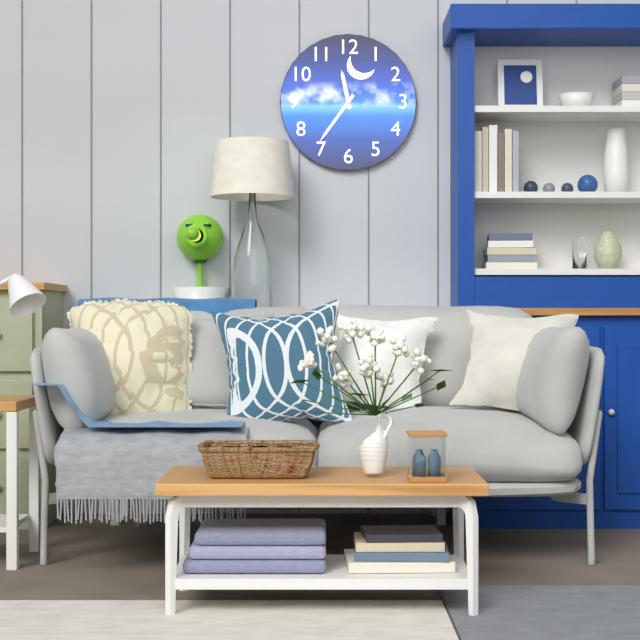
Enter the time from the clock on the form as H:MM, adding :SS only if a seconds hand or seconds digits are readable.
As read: 11:36
